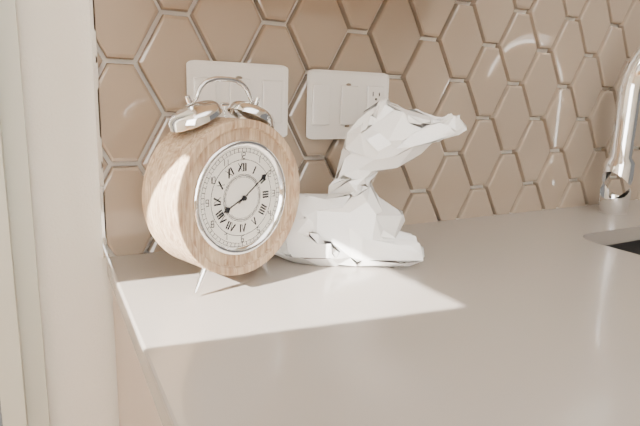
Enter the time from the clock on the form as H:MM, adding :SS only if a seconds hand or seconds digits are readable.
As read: 8:09
